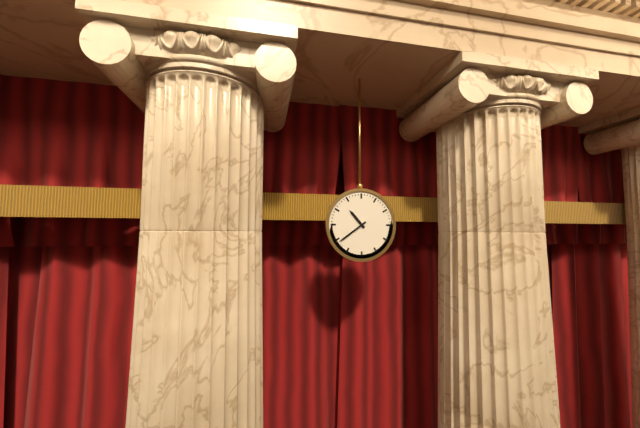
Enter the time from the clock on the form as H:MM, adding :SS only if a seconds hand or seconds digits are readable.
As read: 10:39
